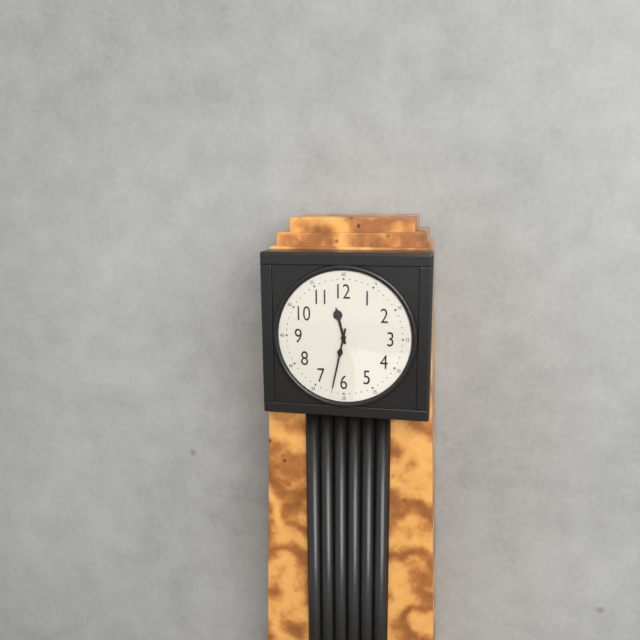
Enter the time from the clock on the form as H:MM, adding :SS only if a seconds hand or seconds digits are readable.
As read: 11:32
